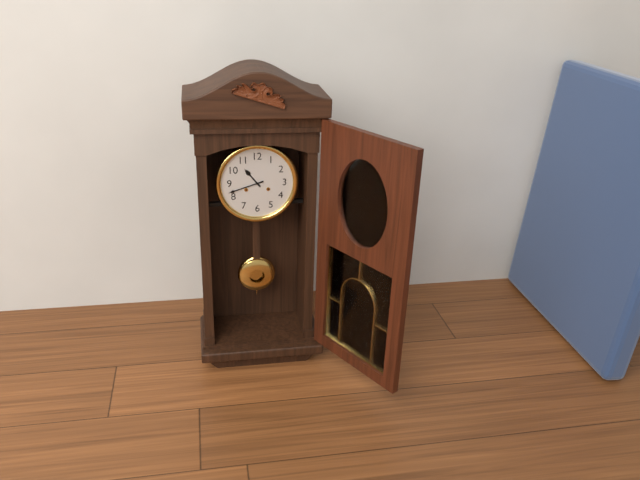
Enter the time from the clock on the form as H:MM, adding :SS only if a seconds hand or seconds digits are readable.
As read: 10:42
